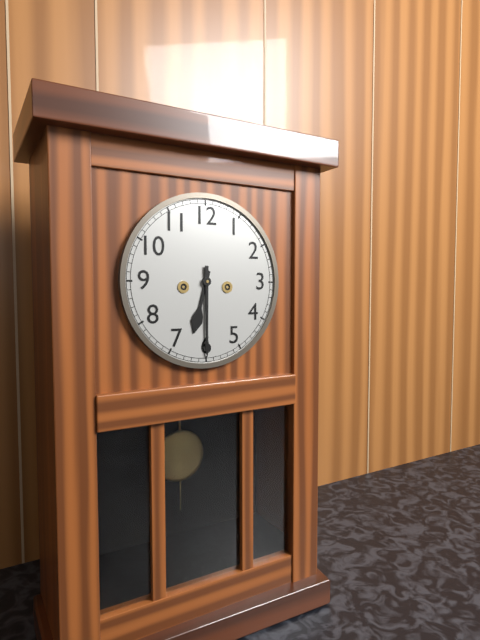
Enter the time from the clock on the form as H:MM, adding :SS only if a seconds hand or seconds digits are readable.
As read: 6:30
